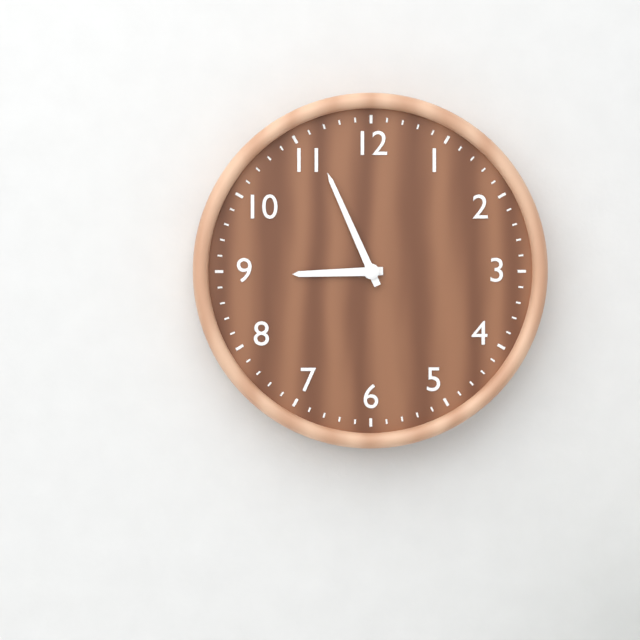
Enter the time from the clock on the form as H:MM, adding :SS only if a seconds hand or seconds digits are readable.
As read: 8:56
